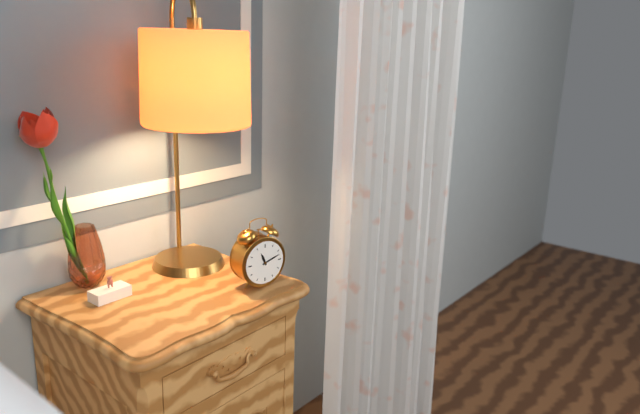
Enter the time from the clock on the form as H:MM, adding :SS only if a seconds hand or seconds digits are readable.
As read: 11:12
